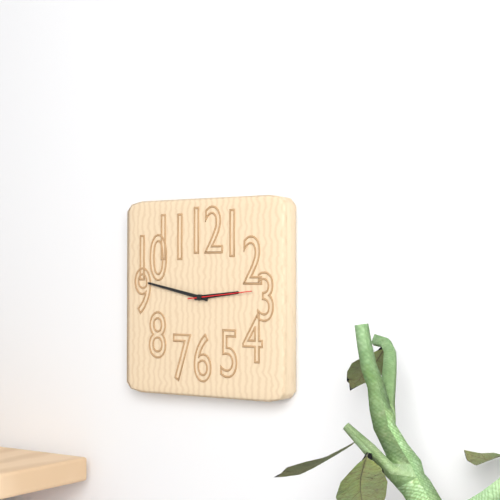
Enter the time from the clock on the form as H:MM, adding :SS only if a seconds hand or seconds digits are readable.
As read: 2:47:14
